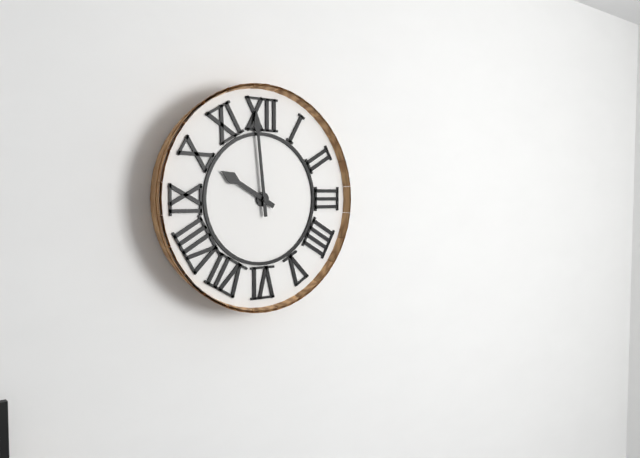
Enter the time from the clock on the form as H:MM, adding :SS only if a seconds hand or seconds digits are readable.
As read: 9:59
